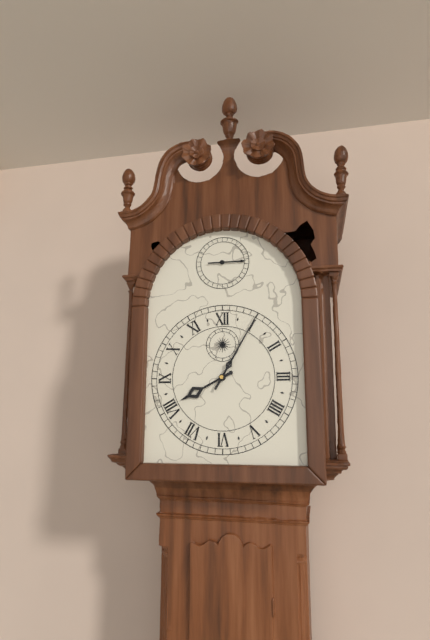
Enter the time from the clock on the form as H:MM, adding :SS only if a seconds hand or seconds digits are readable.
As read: 8:05
